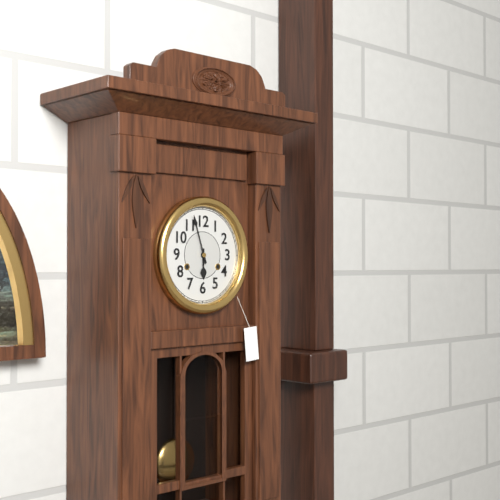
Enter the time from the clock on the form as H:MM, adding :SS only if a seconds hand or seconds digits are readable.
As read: 5:57
